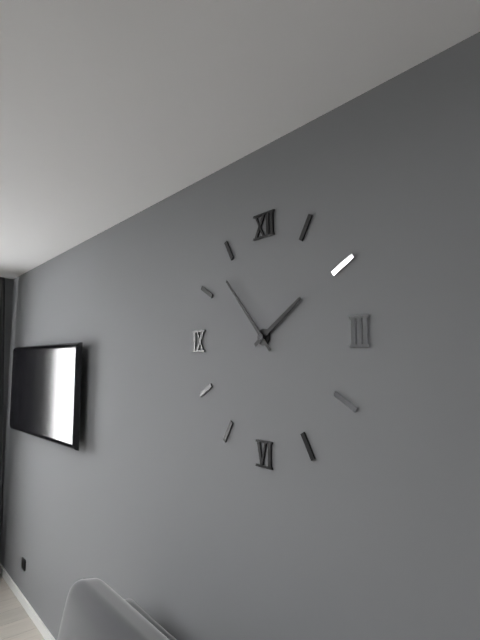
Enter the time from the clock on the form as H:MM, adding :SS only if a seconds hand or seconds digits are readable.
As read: 1:53
